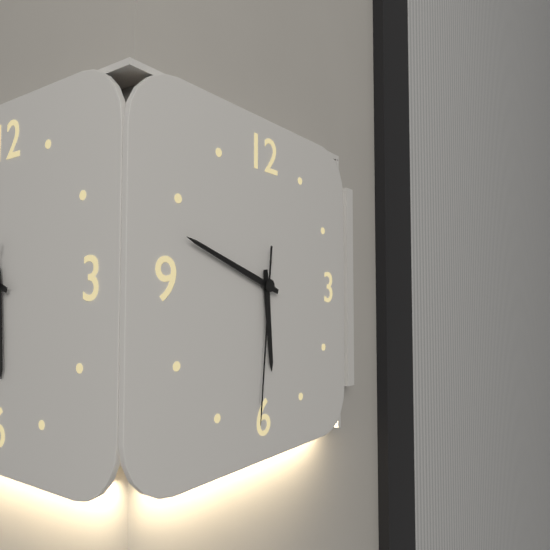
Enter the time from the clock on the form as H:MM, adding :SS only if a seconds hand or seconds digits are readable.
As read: 5:48:31
